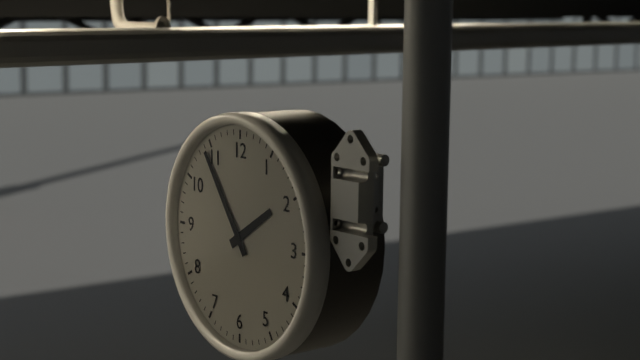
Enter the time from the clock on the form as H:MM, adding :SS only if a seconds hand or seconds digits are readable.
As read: 1:54
